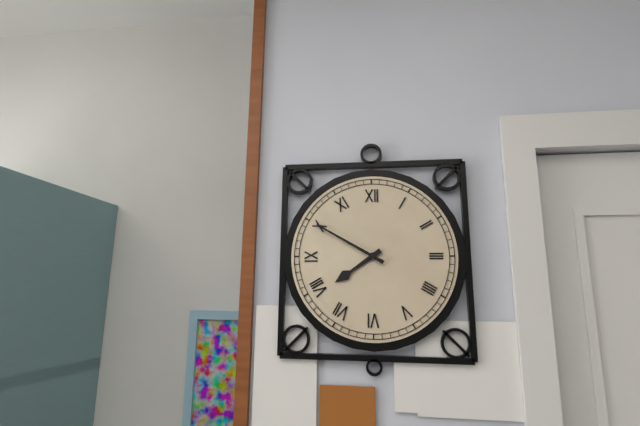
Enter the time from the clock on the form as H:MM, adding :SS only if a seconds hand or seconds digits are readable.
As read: 7:50
